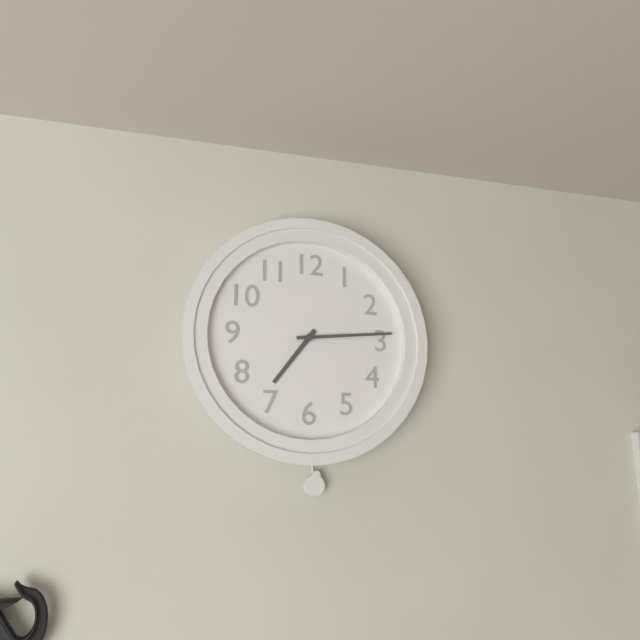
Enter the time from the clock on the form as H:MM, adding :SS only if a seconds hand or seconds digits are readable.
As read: 7:14
